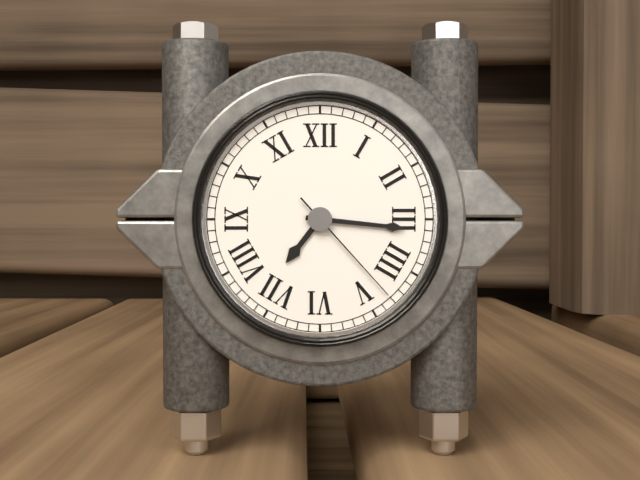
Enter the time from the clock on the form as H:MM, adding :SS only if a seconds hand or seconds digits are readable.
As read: 7:16:23
